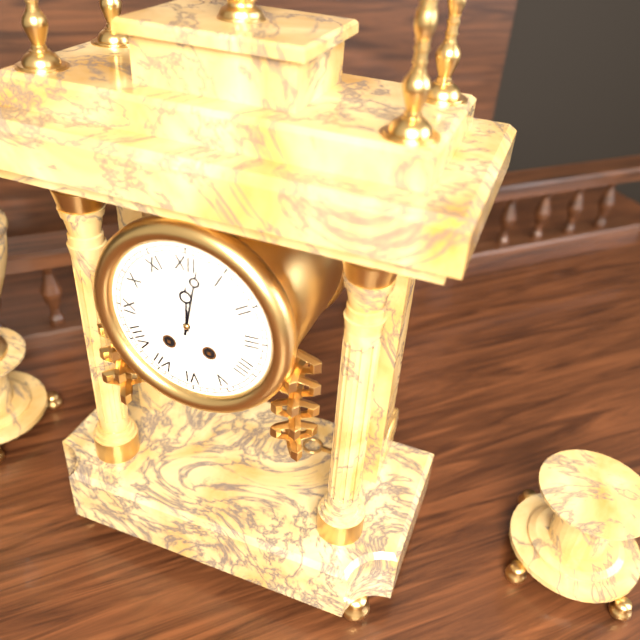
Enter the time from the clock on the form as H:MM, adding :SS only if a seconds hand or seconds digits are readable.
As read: 12:02
